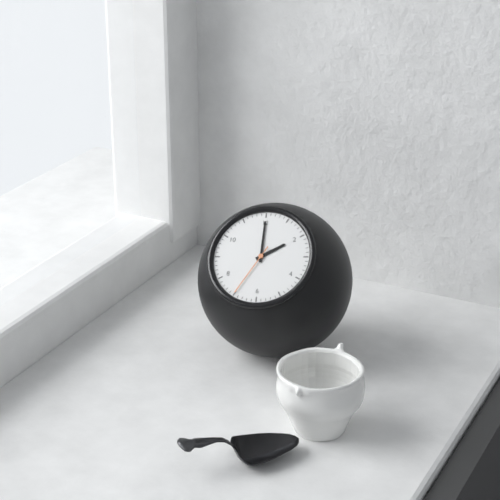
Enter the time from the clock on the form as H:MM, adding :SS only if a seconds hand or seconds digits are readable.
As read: 2:00:35
